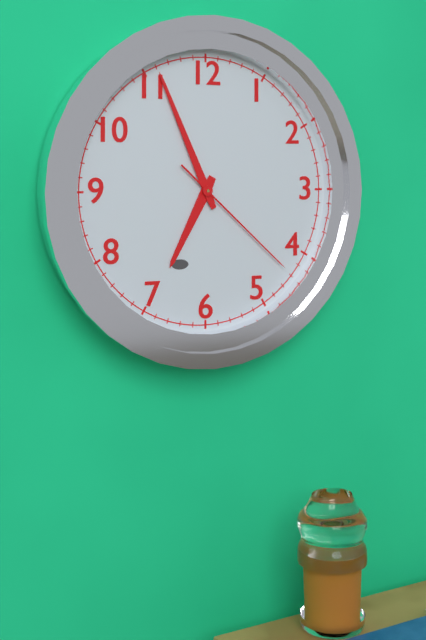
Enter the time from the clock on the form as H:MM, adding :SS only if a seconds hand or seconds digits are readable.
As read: 6:56:22
